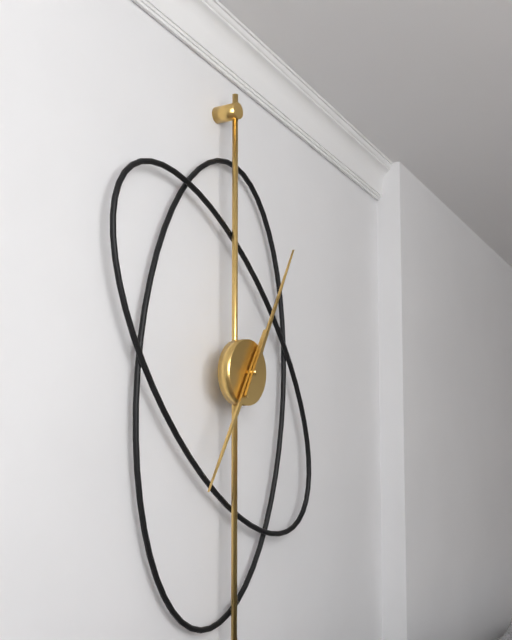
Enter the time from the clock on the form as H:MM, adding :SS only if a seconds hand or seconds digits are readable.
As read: 7:05
